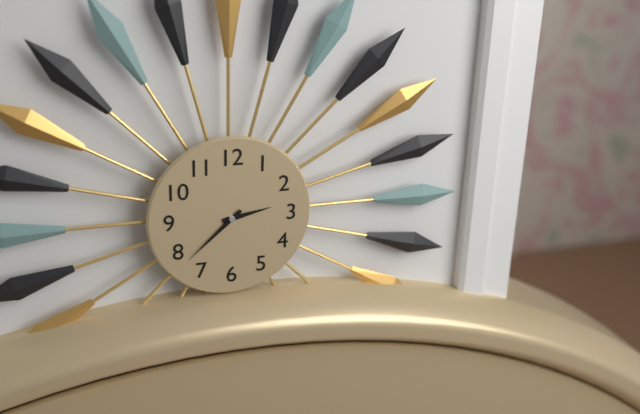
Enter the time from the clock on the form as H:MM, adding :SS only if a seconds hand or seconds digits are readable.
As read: 2:38
